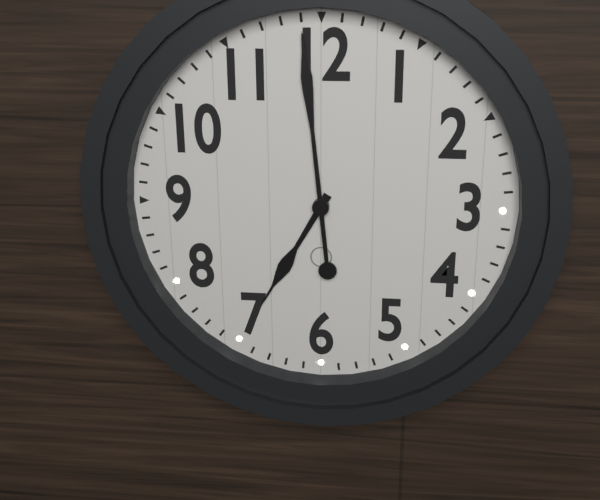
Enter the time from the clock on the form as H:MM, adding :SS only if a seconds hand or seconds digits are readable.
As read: 6:59
